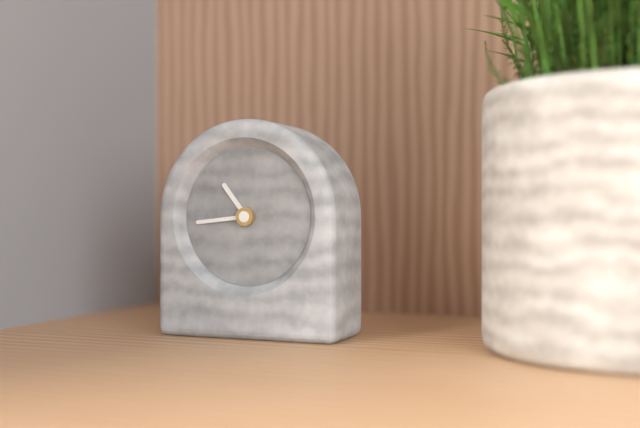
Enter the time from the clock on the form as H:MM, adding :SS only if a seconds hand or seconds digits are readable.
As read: 10:44
